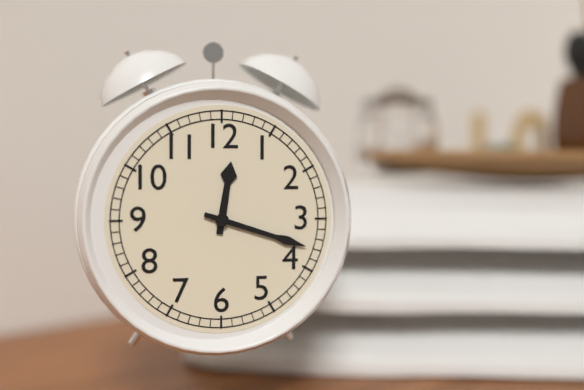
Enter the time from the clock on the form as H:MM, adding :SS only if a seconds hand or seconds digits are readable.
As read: 12:18
